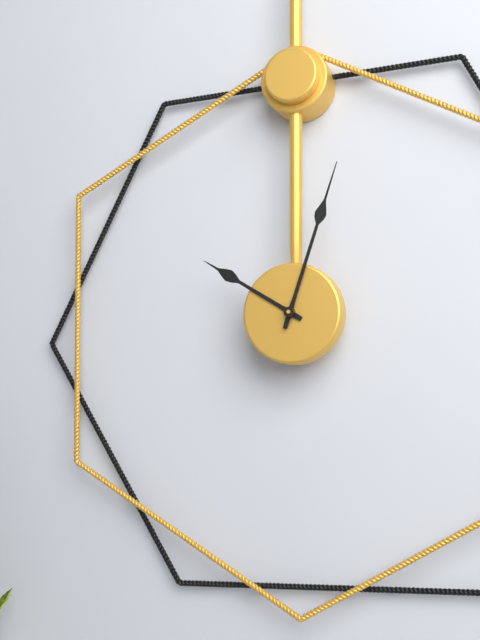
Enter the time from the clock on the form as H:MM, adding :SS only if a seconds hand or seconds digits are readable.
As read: 10:03
